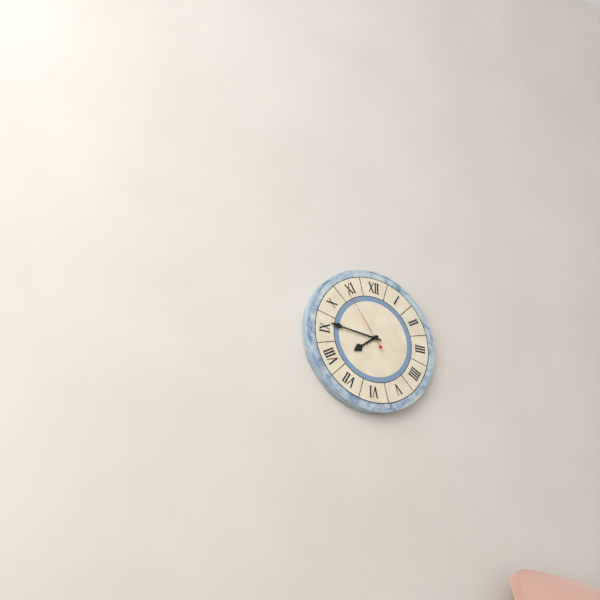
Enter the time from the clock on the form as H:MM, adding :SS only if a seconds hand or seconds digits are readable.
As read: 7:46:54
